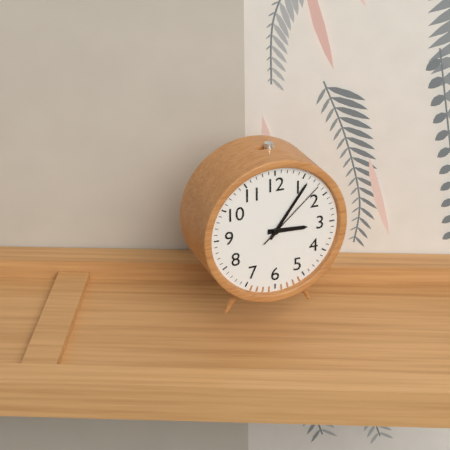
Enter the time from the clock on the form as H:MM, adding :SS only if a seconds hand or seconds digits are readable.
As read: 3:06:08
